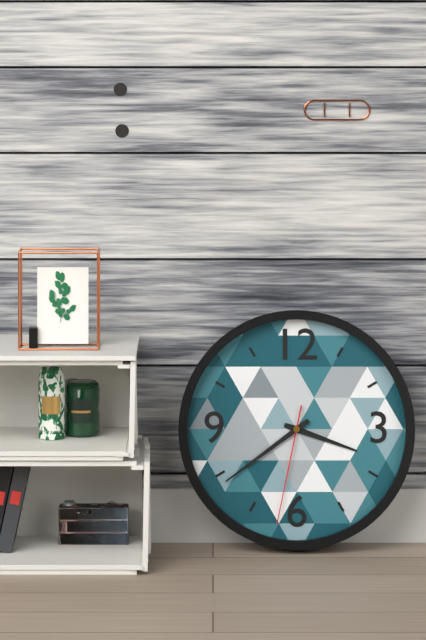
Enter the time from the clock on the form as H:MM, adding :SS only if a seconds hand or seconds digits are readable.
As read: 3:39:32
